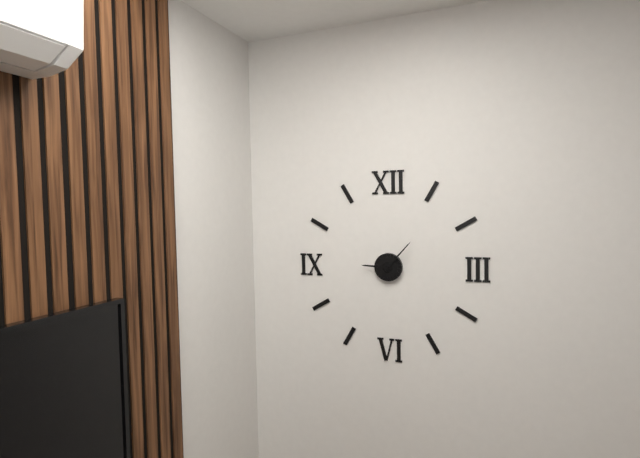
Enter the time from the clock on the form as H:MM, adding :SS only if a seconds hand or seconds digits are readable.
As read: 9:07
